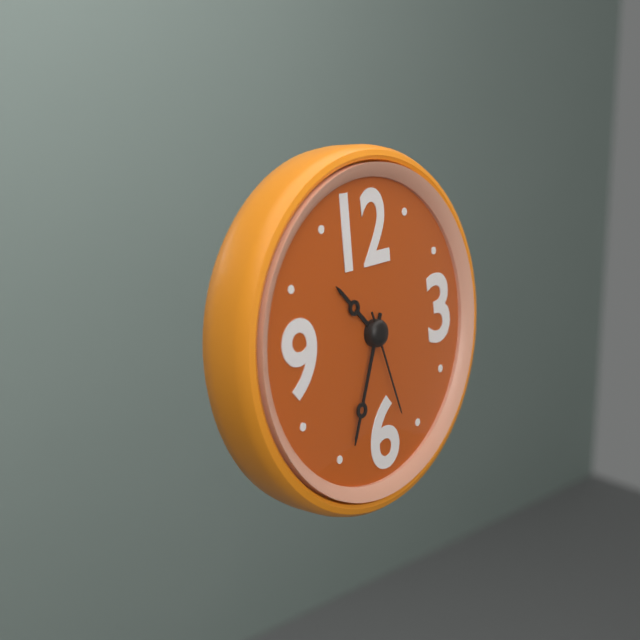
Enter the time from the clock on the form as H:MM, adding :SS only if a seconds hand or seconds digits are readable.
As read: 10:34:27
